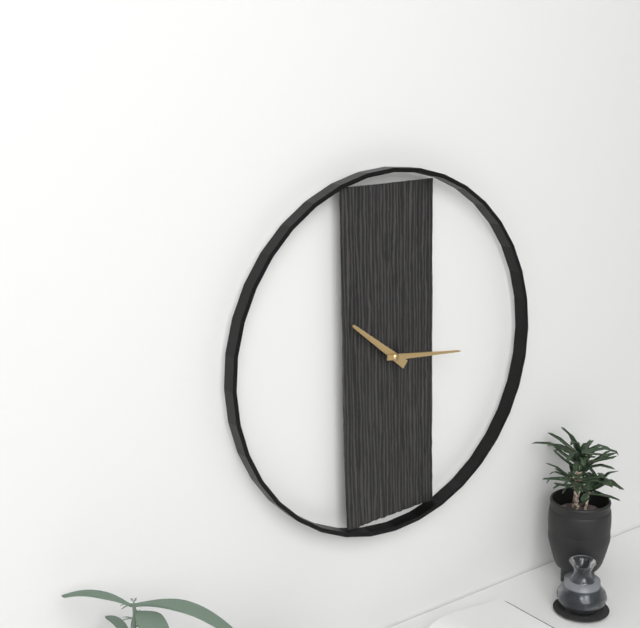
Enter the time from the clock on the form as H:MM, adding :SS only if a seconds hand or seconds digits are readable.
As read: 10:16
